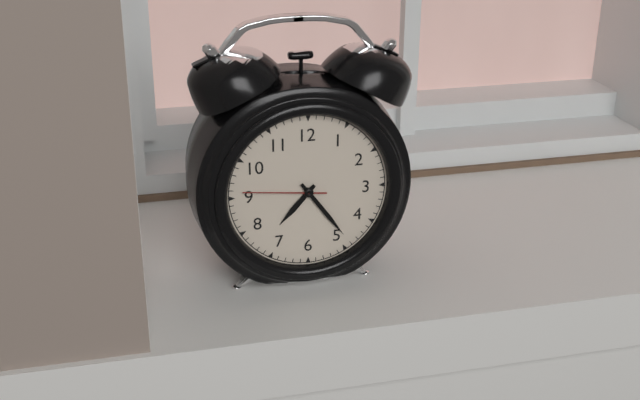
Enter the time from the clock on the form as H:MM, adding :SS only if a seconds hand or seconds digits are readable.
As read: 7:24:46
